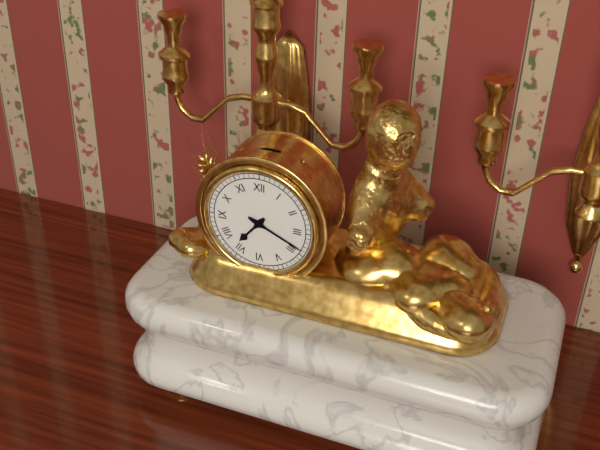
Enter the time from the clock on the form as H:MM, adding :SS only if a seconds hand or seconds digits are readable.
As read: 7:19
